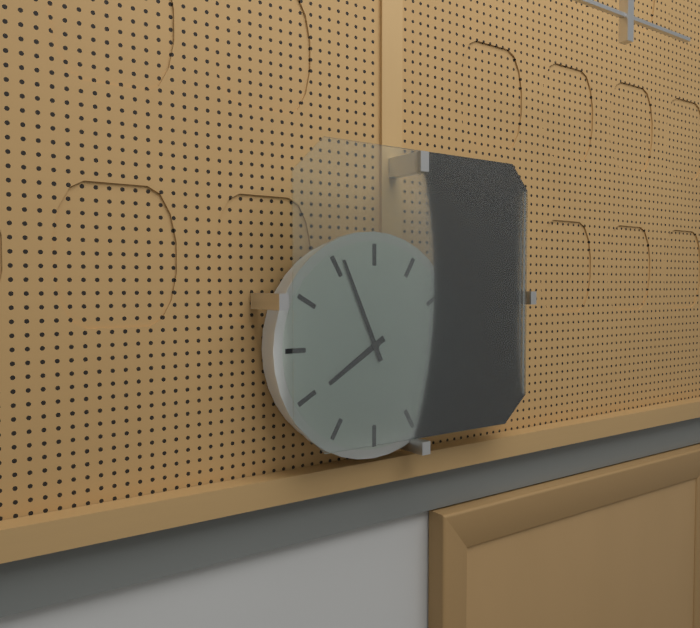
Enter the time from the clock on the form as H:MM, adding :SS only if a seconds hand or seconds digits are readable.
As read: 7:56
